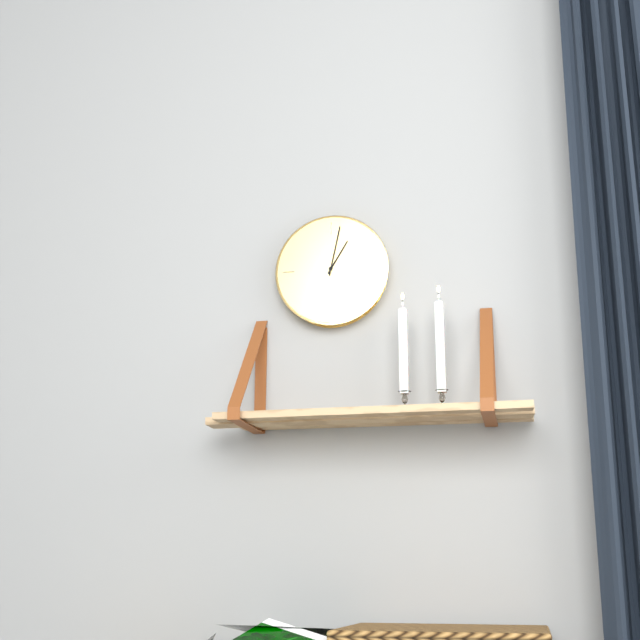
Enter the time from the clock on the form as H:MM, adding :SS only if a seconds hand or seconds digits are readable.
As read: 1:02
